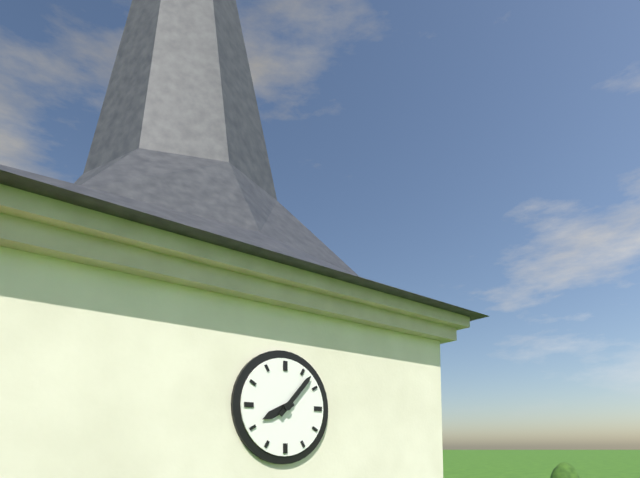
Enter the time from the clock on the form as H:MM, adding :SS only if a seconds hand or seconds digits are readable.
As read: 8:07
